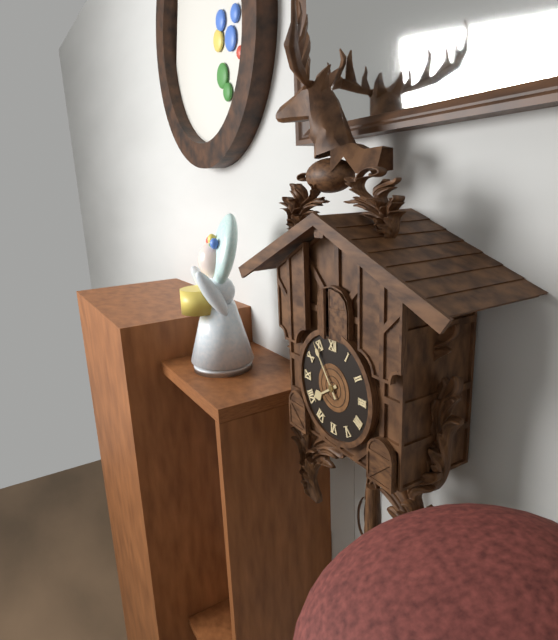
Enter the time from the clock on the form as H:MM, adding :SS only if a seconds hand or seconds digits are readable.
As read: 7:54
